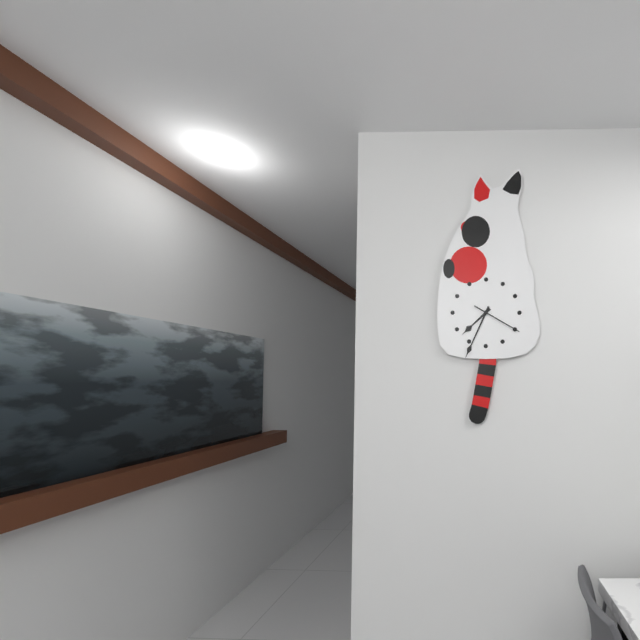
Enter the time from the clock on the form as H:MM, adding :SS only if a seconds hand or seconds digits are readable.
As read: 7:34
